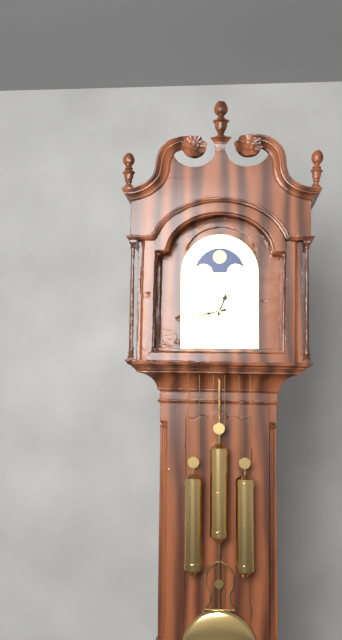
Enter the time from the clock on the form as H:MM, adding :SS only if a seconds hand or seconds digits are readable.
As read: 12:43
